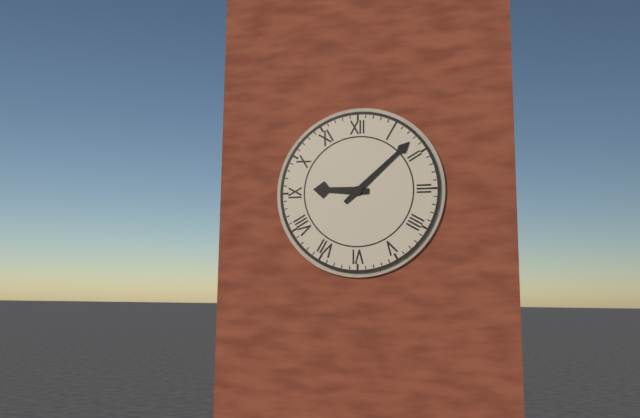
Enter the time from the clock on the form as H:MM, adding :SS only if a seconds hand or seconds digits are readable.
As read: 9:08
